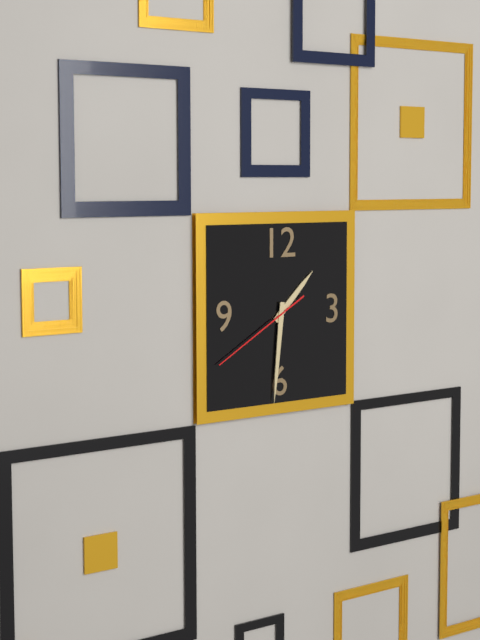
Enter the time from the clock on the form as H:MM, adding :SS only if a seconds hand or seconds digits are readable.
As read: 1:31:40
